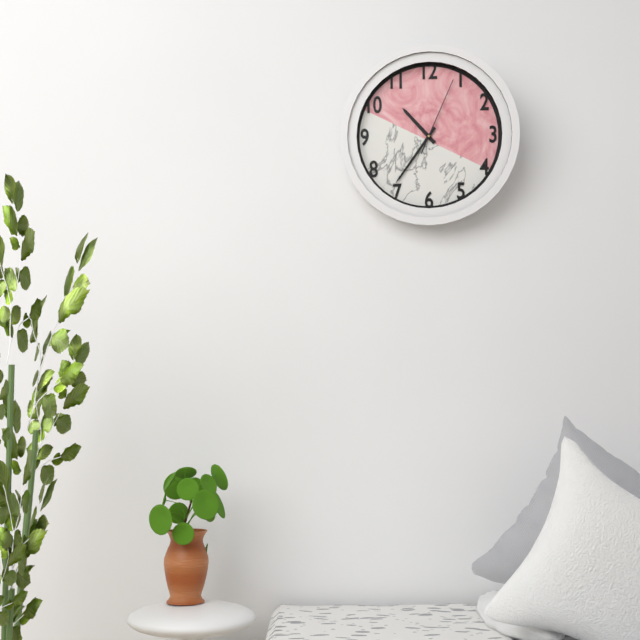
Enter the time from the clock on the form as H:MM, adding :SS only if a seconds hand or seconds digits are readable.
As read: 10:36:04
